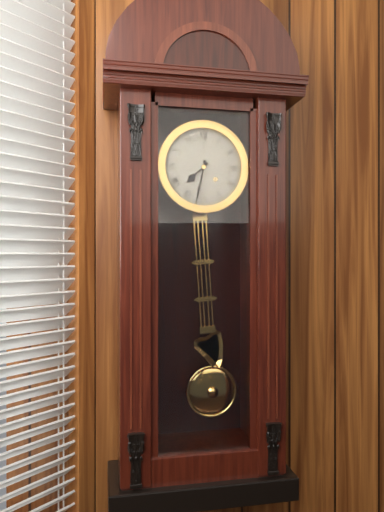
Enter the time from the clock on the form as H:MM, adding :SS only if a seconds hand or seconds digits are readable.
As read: 7:32
